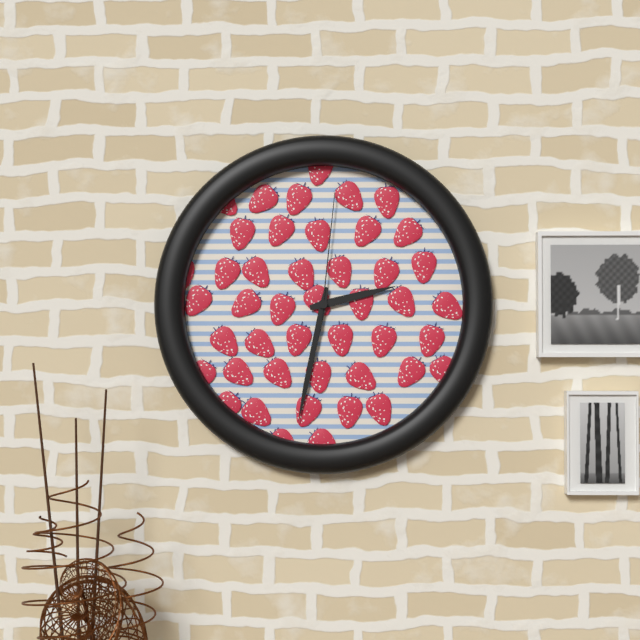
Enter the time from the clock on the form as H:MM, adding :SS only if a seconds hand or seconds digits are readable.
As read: 2:32:01
